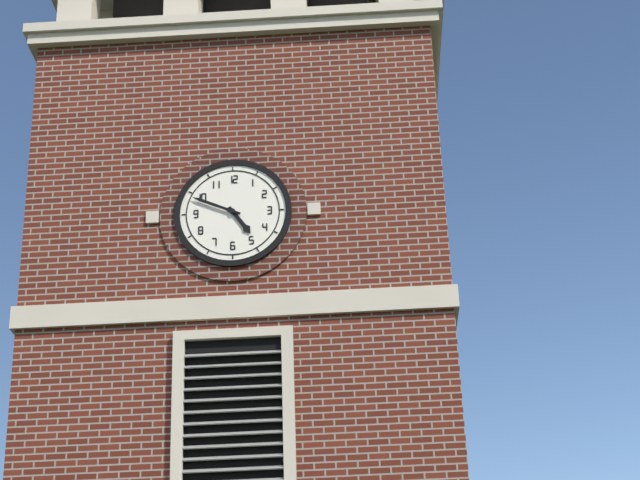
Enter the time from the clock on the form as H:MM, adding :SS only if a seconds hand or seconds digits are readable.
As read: 4:49
